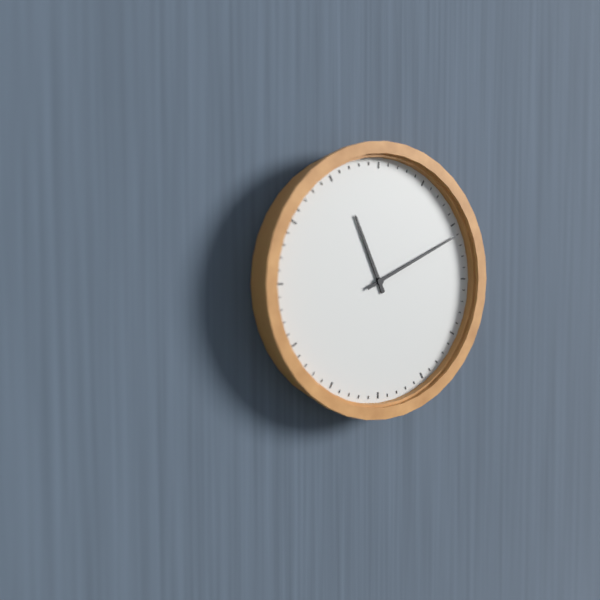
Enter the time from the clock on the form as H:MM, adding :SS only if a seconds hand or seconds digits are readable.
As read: 11:11
